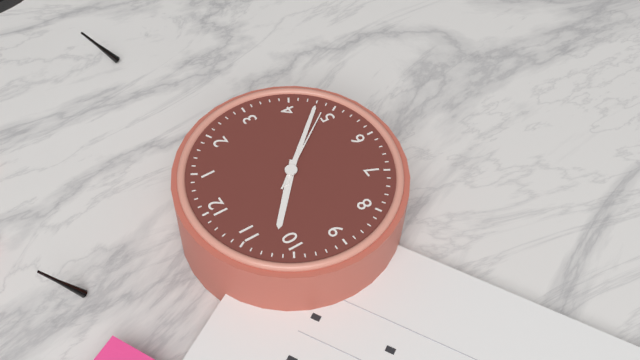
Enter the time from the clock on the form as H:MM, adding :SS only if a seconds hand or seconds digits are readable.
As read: 10:23:24
